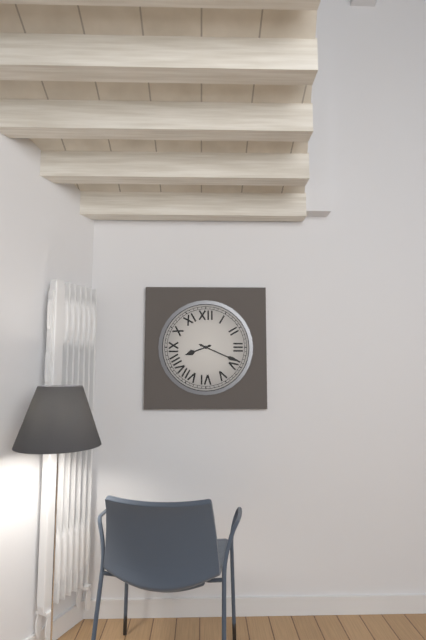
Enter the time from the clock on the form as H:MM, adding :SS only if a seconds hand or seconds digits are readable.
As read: 8:19
